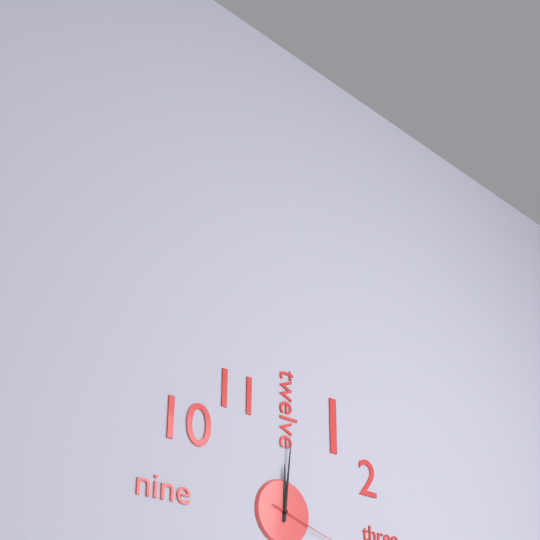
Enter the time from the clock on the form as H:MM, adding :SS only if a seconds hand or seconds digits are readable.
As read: 12:01
